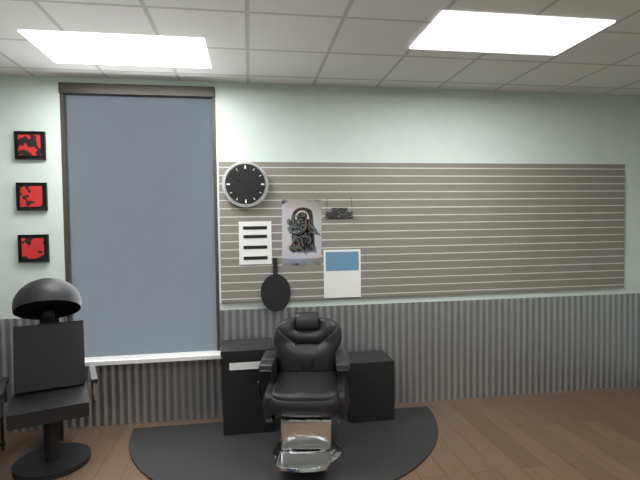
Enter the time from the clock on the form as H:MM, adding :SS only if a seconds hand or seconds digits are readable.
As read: 4:50
